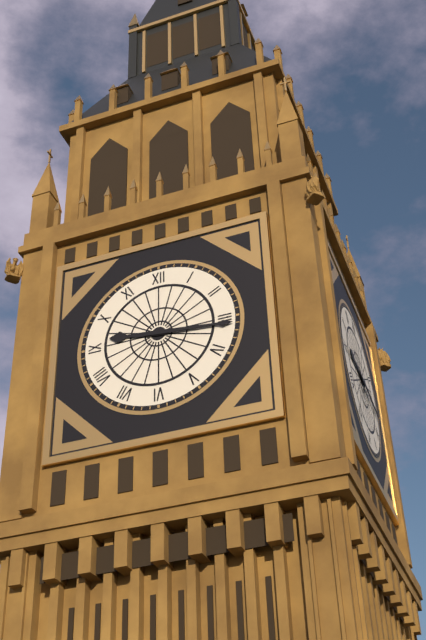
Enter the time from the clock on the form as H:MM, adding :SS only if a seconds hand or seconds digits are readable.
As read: 9:16
